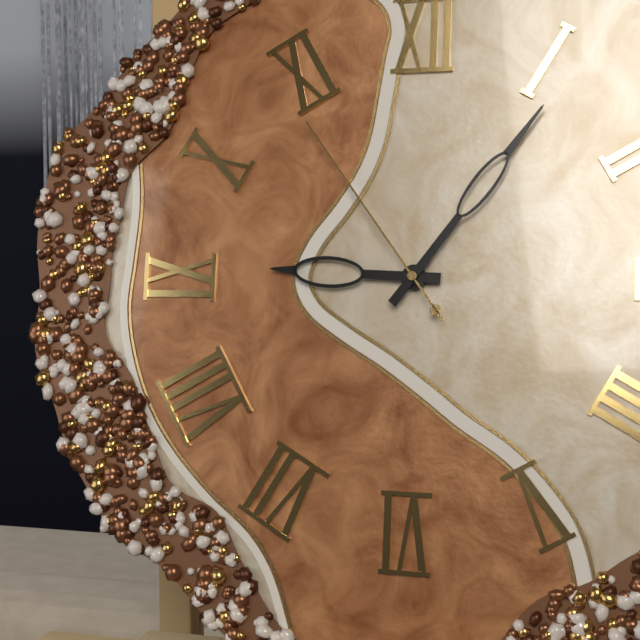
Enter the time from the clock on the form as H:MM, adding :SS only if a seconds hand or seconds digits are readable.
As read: 9:06:54
